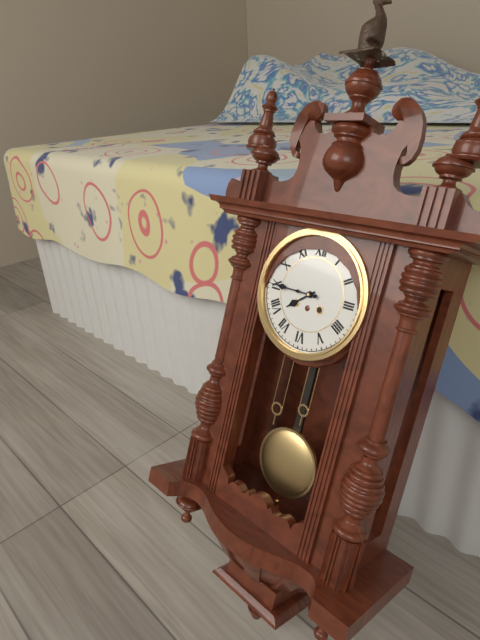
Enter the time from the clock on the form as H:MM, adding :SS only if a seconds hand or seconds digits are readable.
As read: 7:45
